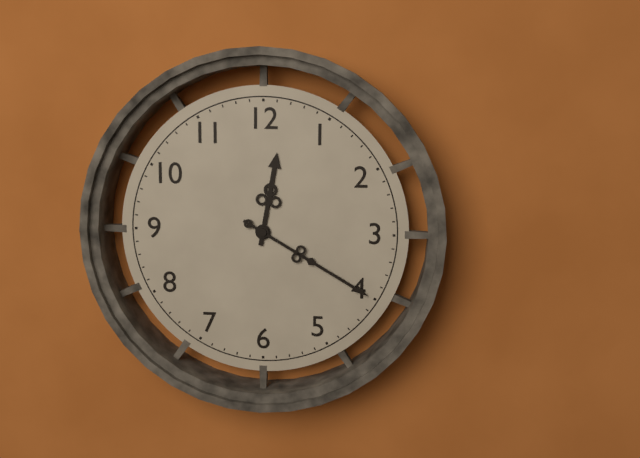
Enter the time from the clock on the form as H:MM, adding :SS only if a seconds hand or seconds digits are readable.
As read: 12:20
